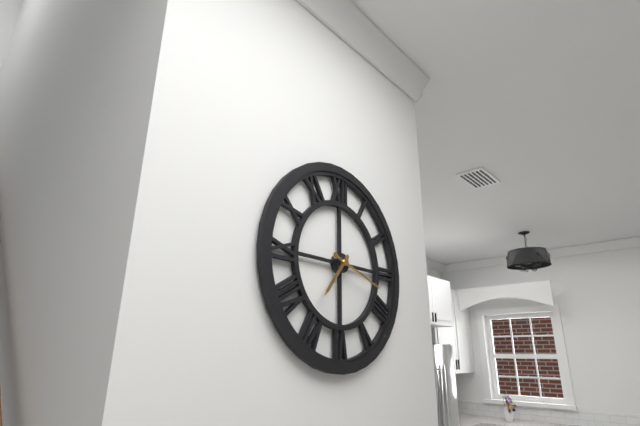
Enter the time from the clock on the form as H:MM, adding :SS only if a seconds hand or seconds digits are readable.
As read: 7:18
